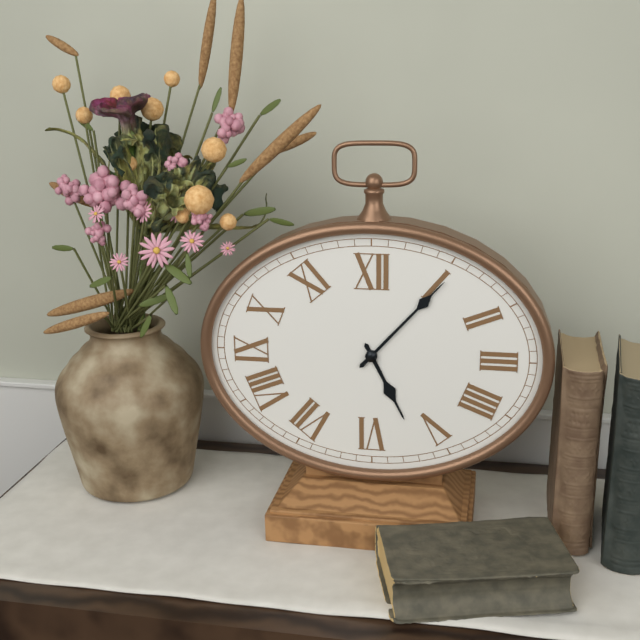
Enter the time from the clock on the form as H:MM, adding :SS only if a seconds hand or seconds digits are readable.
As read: 5:07
